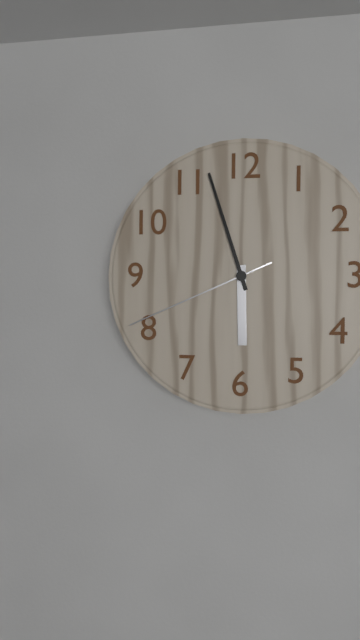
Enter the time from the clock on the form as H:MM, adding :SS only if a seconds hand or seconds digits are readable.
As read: 5:57:41
